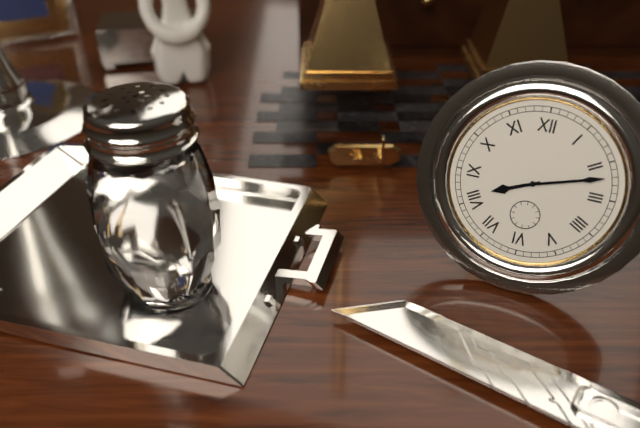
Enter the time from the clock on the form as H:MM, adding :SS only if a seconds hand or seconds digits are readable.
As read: 8:12
